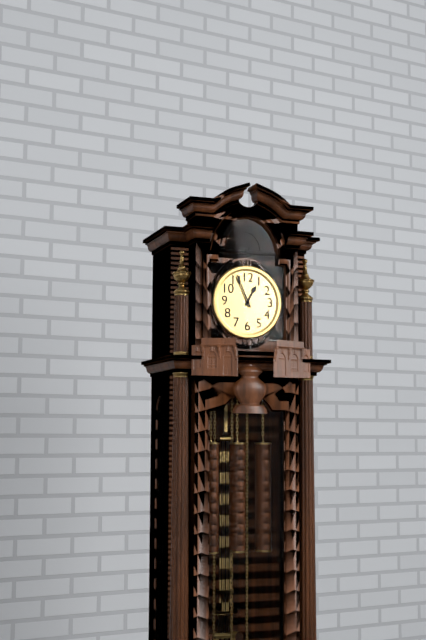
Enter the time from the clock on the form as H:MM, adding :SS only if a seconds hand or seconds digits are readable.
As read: 12:56
